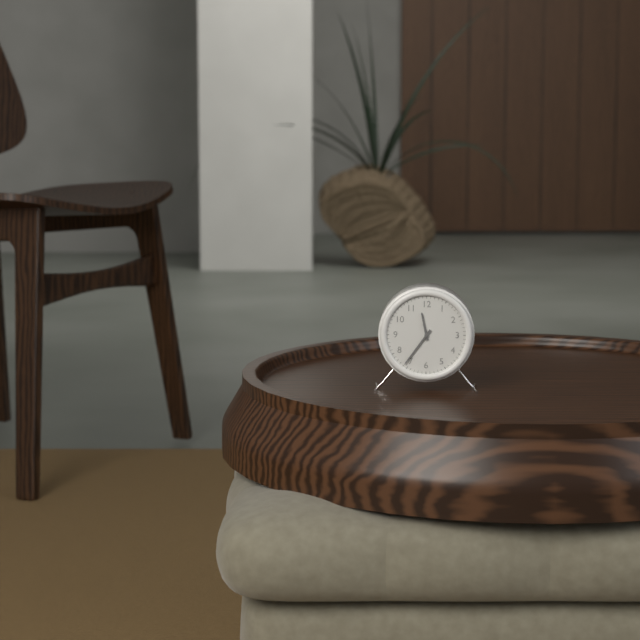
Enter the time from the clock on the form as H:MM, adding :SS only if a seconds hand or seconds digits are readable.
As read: 11:36
